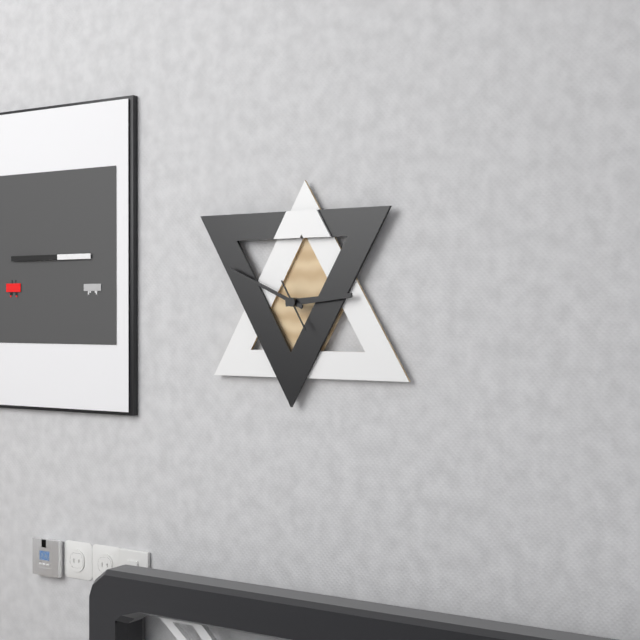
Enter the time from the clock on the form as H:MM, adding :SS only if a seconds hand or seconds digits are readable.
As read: 2:49
